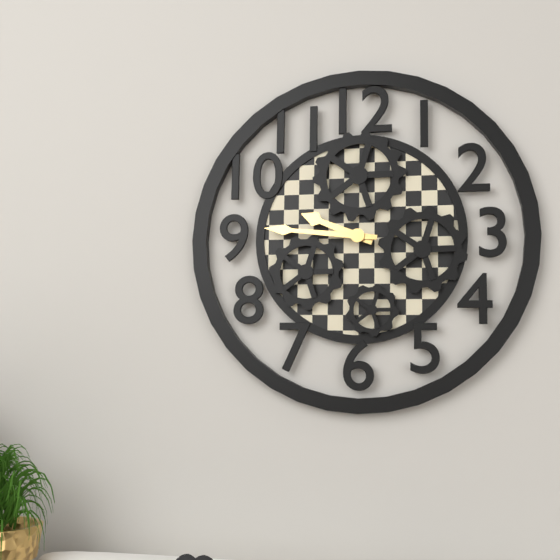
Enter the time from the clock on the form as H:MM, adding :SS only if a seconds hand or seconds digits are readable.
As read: 9:46
